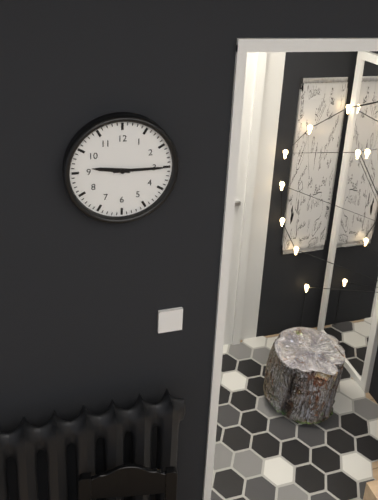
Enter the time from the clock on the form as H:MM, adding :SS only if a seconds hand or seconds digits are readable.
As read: 9:15
